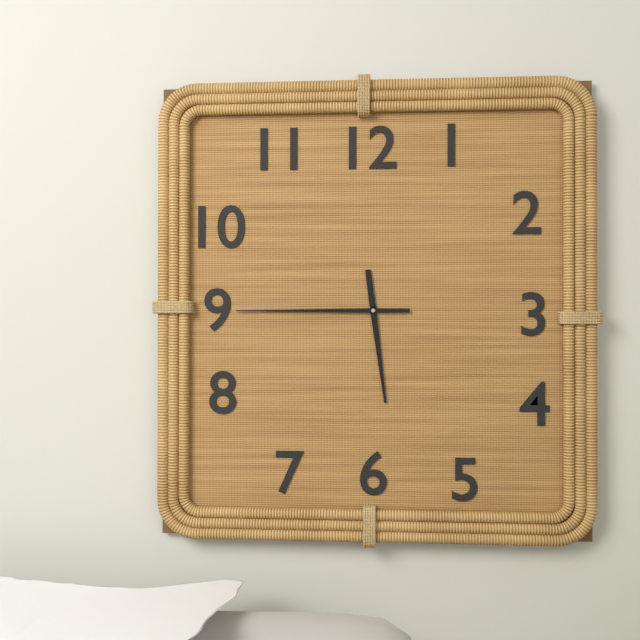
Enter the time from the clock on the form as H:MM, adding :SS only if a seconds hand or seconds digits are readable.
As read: 5:45
